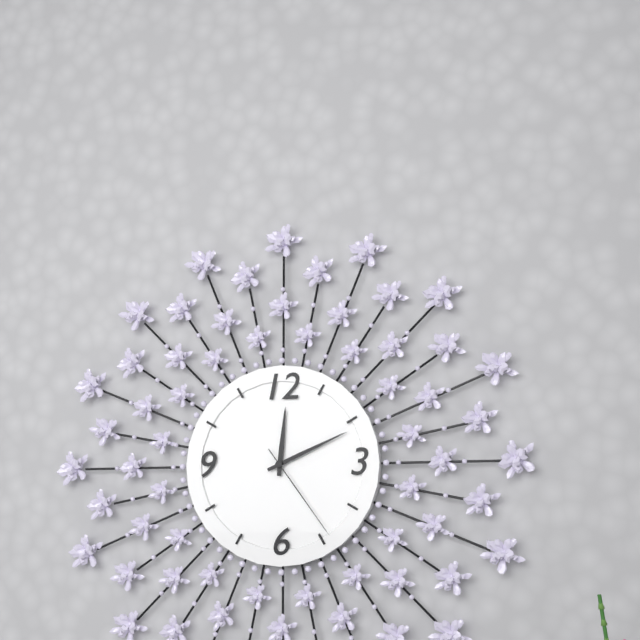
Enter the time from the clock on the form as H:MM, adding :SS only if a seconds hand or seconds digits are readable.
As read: 12:11:24
